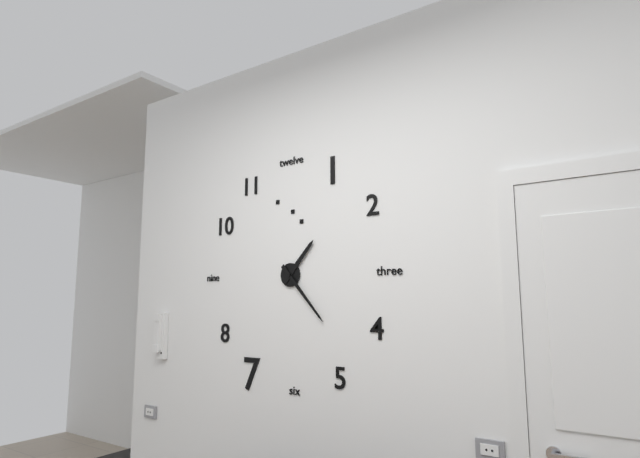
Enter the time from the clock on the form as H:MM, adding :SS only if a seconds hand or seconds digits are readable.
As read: 1:23
